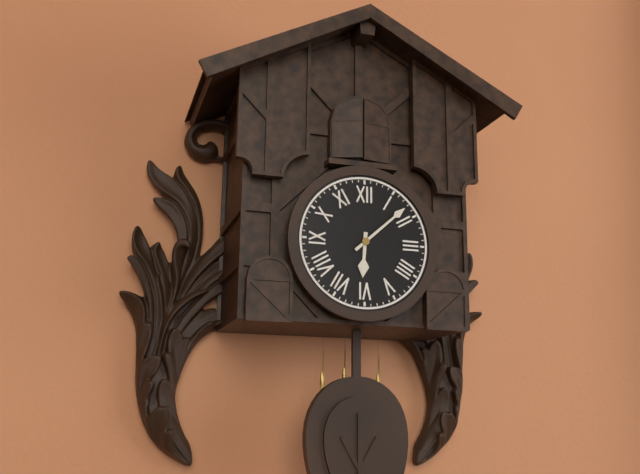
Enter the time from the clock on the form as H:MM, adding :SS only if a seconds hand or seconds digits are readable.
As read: 6:08
